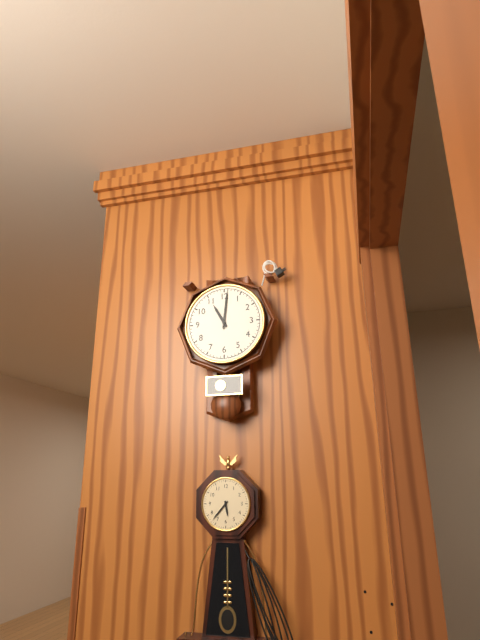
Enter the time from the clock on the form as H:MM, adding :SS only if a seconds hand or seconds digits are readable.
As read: 11:01
